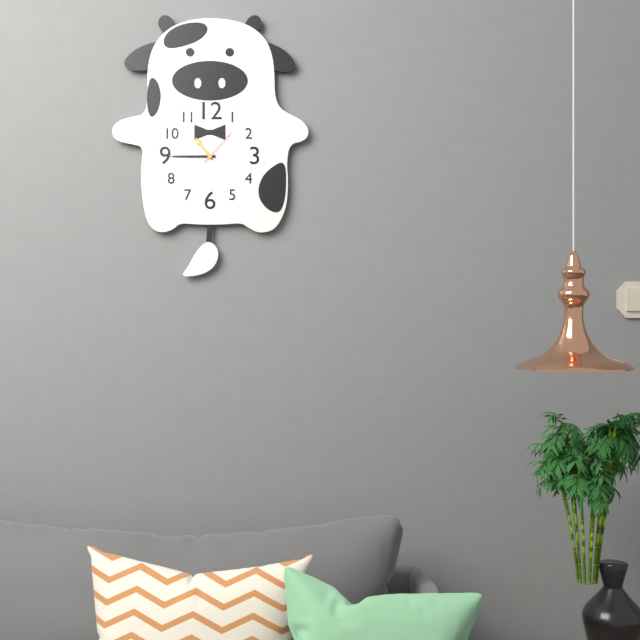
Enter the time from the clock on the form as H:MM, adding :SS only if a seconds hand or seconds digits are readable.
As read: 10:45
